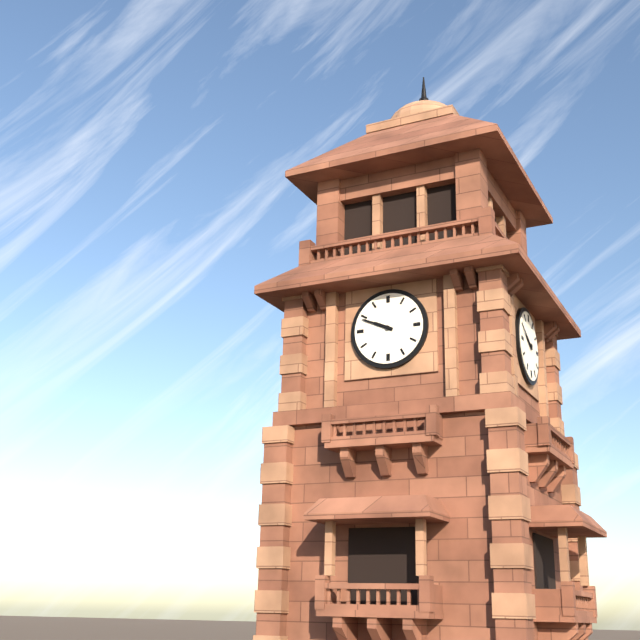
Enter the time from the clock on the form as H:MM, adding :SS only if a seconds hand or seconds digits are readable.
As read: 9:49
